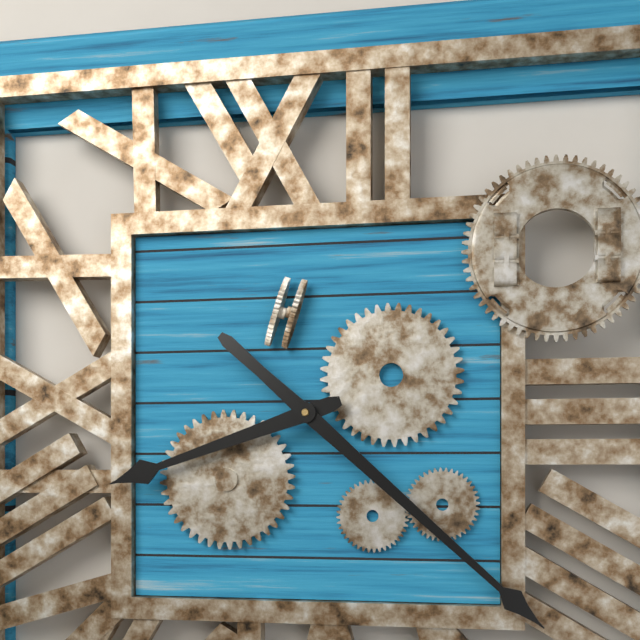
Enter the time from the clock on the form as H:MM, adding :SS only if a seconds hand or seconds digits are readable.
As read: 8:22
